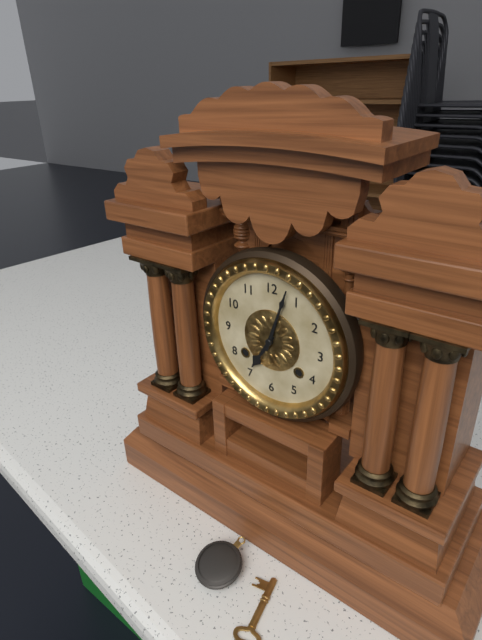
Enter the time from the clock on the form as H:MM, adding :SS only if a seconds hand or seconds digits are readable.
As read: 7:03
